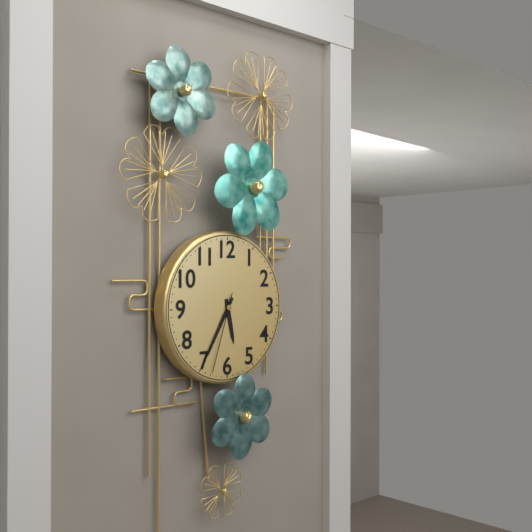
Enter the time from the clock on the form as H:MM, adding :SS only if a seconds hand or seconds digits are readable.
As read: 5:35:33
